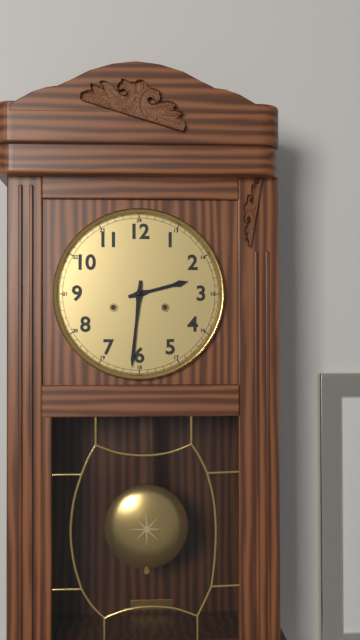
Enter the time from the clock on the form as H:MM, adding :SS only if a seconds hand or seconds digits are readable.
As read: 2:31
